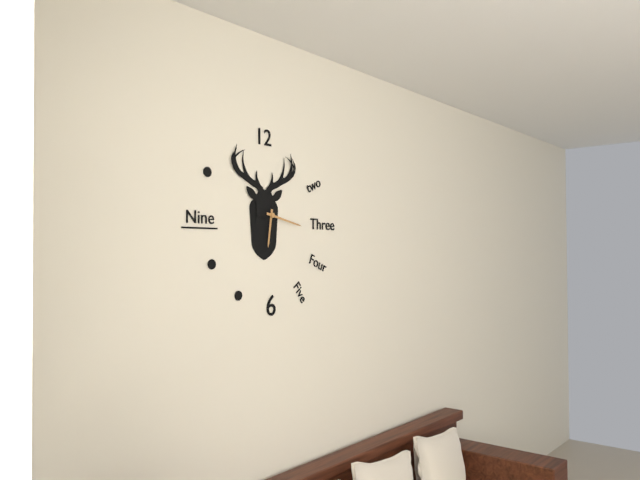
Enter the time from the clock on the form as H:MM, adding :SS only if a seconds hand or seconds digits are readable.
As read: 6:17
